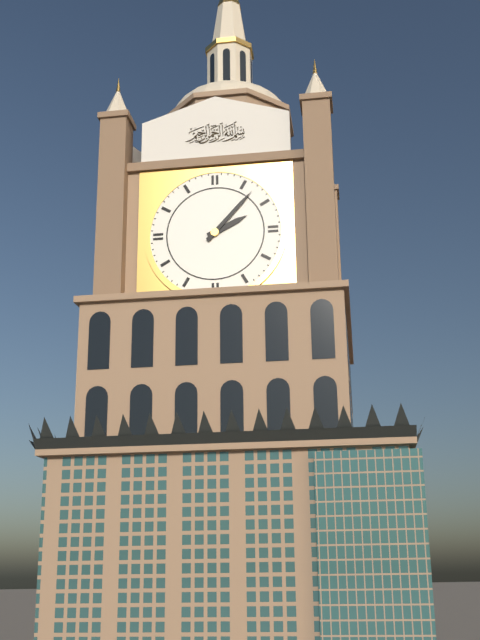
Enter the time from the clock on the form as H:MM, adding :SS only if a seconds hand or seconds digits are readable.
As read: 2:07
